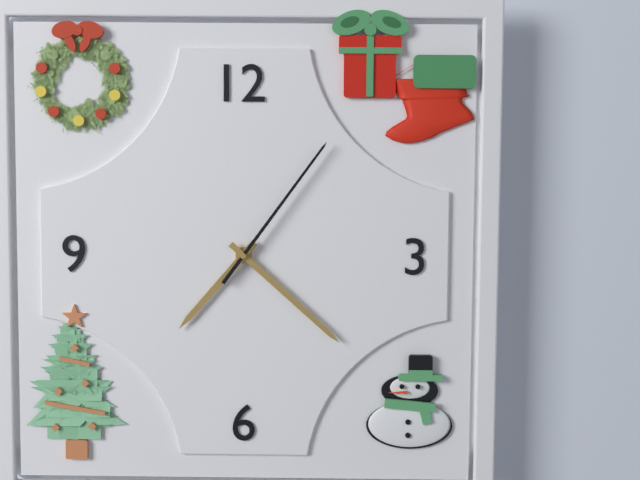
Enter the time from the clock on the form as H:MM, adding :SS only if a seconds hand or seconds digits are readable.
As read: 7:22:06
